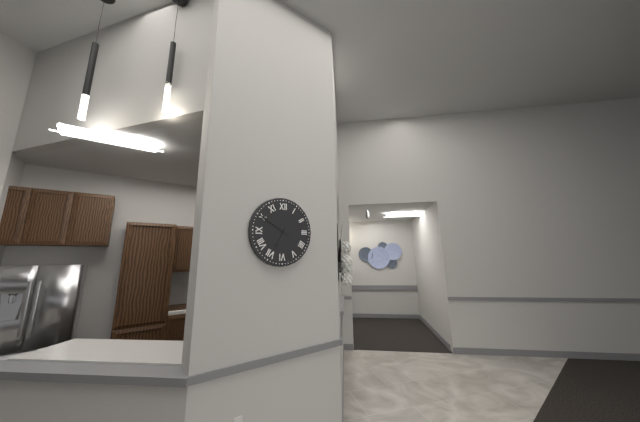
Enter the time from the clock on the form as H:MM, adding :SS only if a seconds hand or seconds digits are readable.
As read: 6:50
